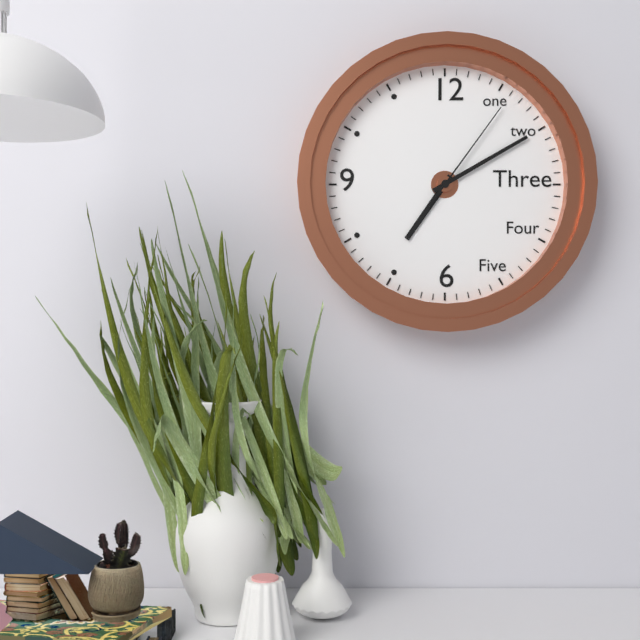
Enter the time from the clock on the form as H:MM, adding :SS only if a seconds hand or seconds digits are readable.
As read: 7:10:06
